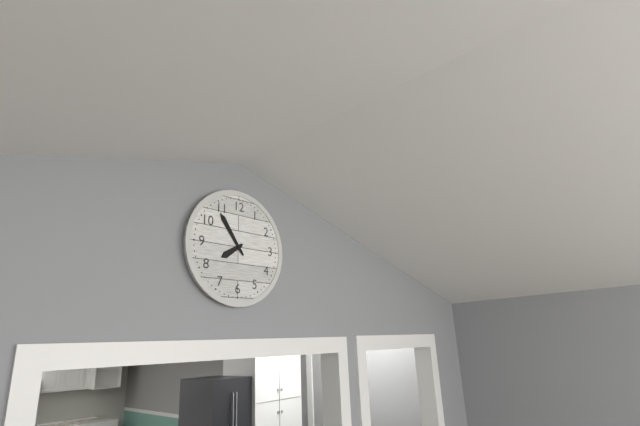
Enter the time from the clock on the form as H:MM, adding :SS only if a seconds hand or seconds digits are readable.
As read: 7:54
